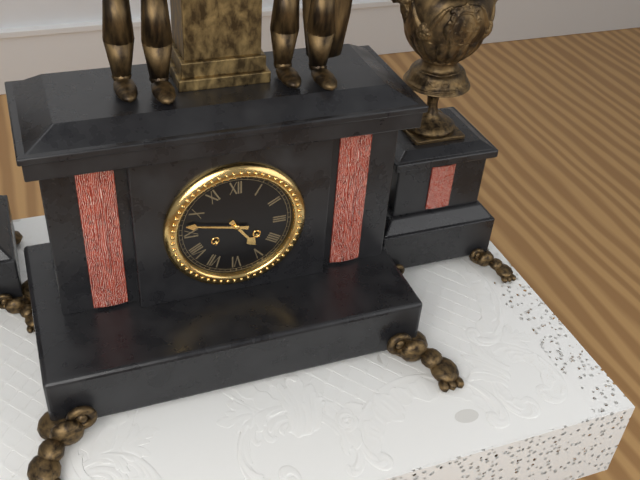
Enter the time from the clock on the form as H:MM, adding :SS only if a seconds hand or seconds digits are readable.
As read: 4:47
